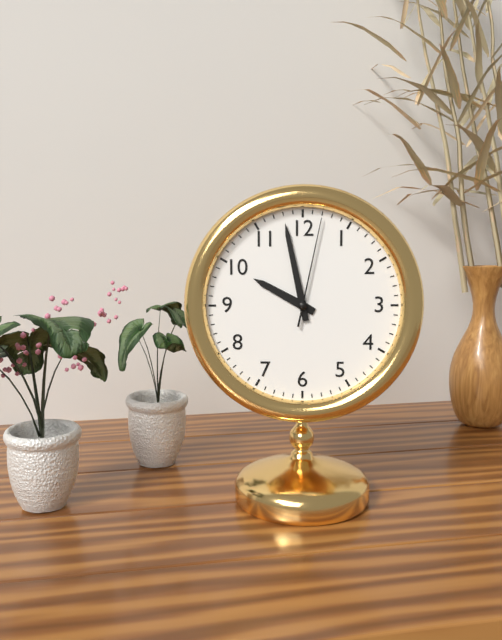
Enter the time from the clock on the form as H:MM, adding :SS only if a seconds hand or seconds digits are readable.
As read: 9:58:02
